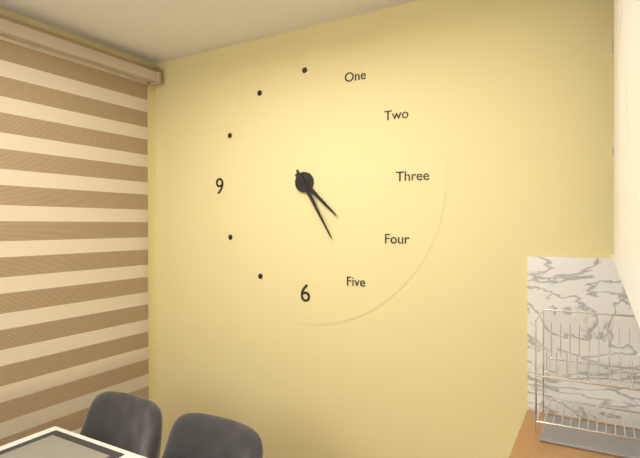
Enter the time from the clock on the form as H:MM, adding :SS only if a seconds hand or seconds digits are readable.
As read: 4:25
